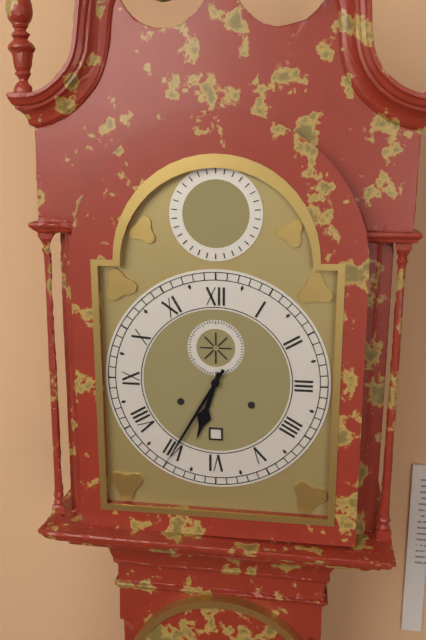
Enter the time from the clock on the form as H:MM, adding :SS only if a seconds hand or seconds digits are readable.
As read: 6:35
